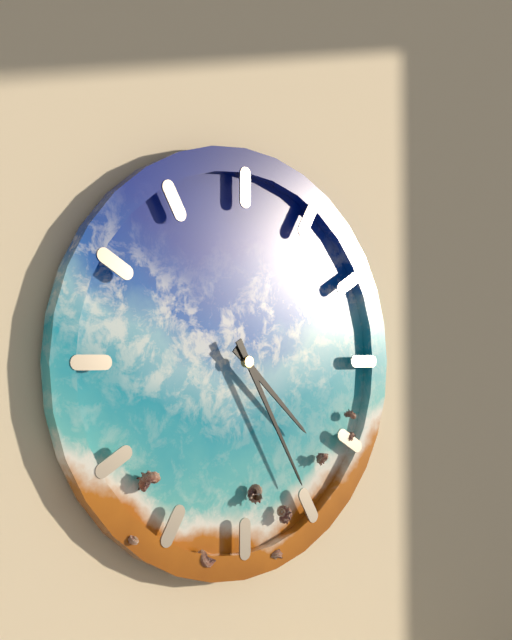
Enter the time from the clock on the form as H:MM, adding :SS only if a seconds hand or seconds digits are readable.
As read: 4:25
